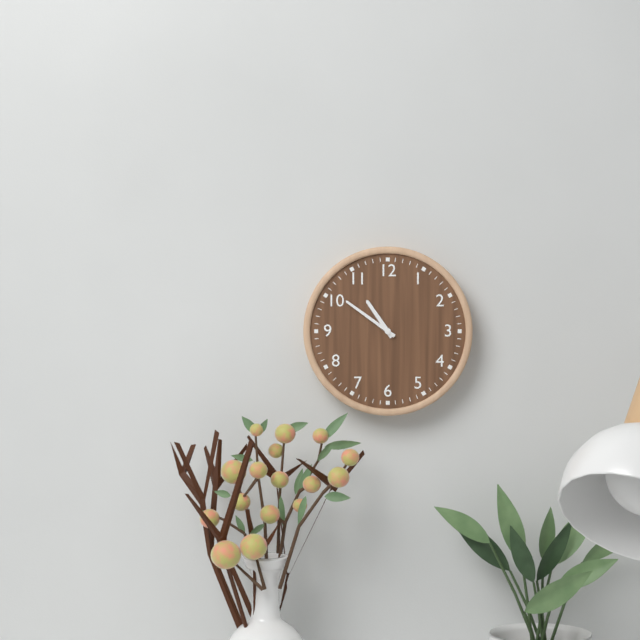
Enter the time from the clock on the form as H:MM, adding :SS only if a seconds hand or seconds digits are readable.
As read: 10:51
